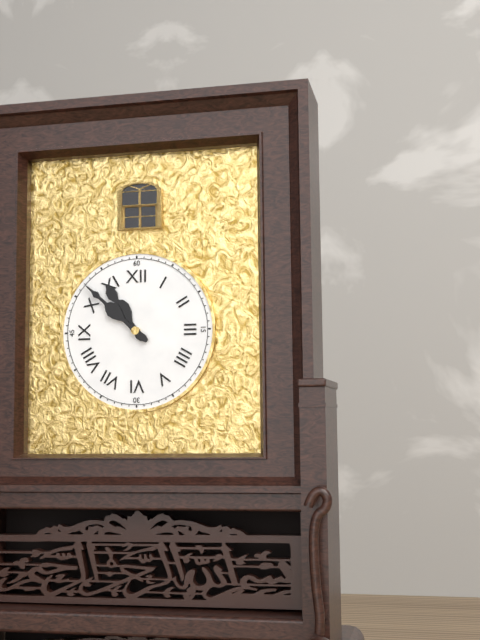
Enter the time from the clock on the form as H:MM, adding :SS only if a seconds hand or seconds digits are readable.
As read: 10:52
